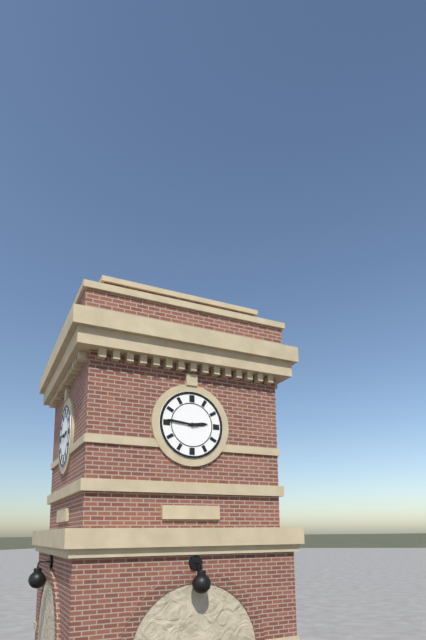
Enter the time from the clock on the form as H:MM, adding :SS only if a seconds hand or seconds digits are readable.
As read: 2:46
